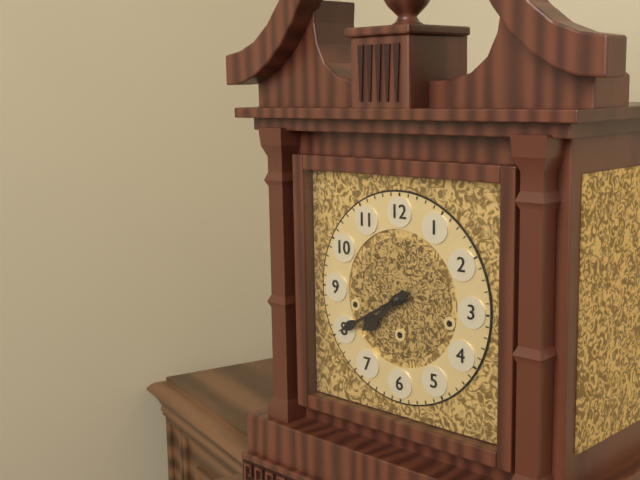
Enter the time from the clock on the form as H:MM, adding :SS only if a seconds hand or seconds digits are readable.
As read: 7:40
